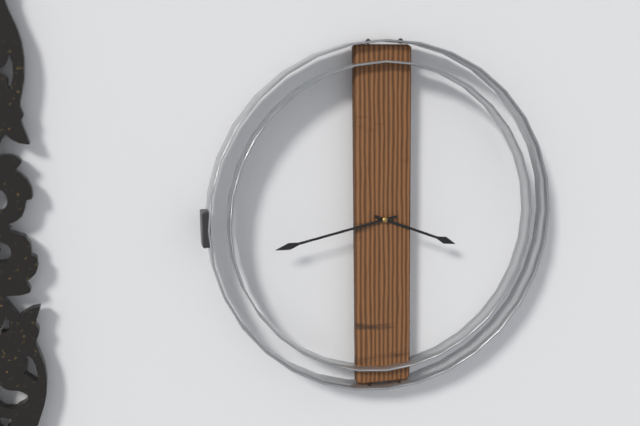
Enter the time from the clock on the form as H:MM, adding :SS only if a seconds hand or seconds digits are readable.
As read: 3:43
